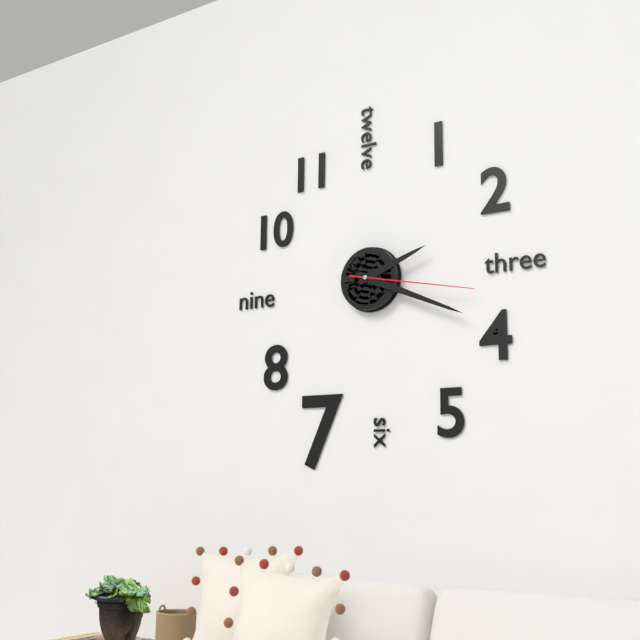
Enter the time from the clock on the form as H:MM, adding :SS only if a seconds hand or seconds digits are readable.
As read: 2:19:17
